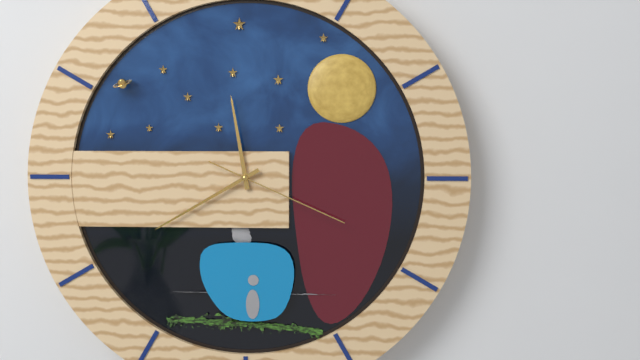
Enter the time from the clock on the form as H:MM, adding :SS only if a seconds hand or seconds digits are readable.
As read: 11:40:19
